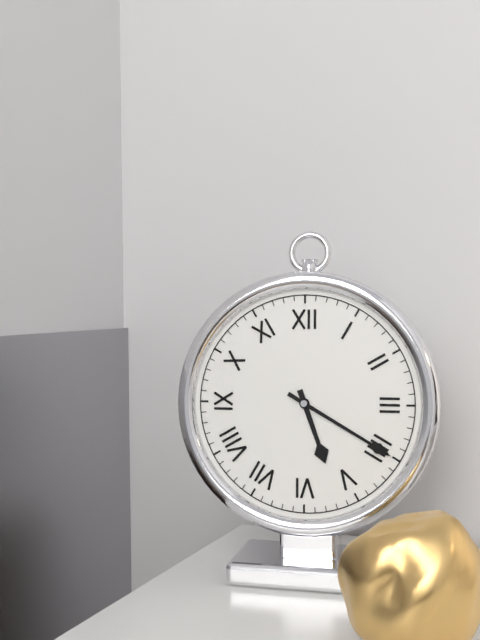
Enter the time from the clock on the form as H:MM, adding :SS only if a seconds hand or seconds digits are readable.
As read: 5:20
